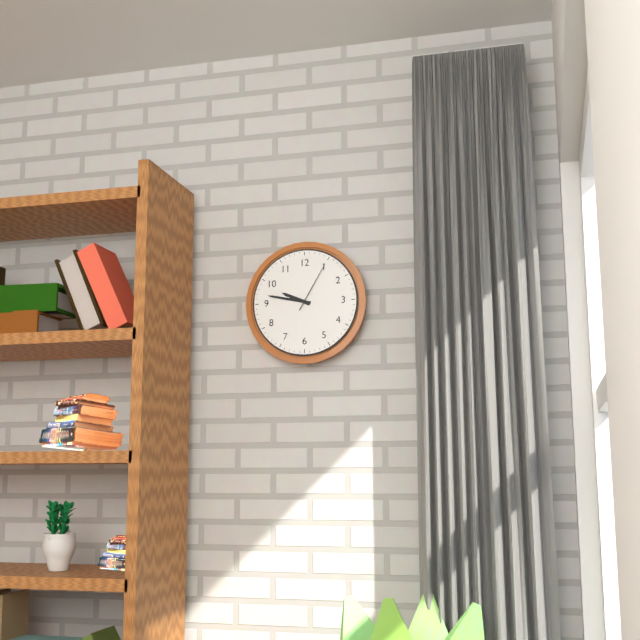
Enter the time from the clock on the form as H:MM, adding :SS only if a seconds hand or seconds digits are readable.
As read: 9:47:05
